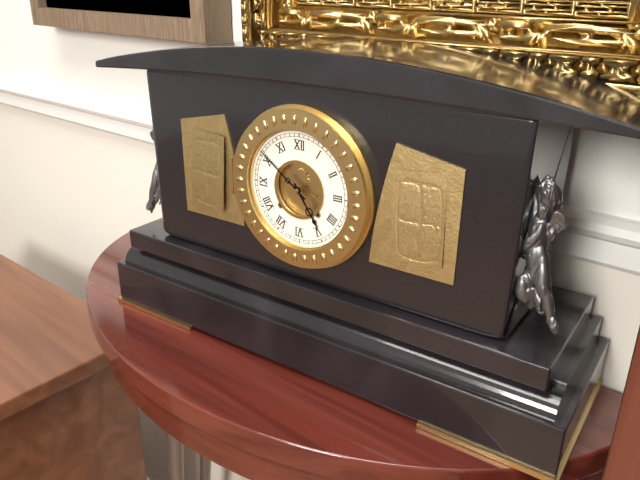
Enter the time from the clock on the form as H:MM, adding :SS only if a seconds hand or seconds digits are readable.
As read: 4:51
